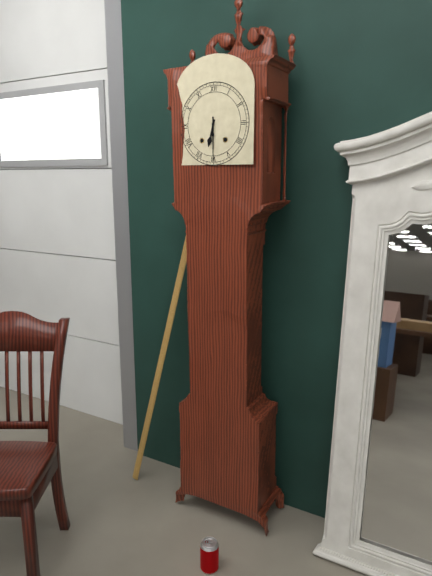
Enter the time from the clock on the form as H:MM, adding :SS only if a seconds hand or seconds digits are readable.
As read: 6:30
